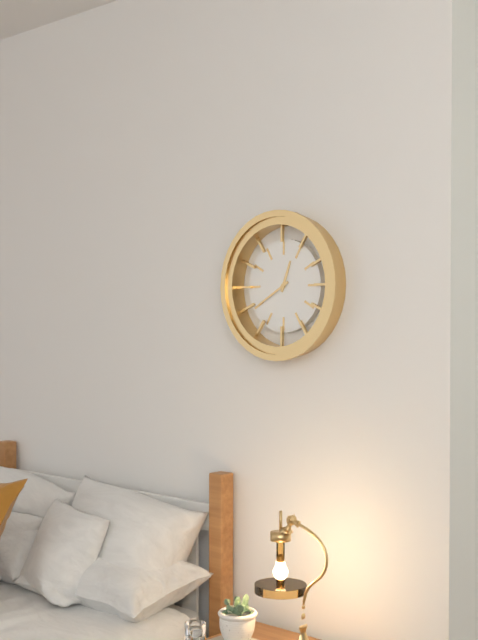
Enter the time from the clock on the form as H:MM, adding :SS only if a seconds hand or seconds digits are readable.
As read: 12:40
